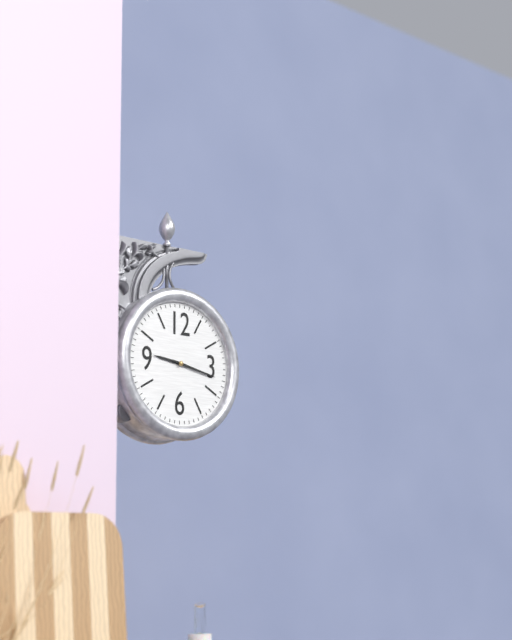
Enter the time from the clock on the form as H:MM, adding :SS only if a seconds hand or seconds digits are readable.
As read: 9:17
